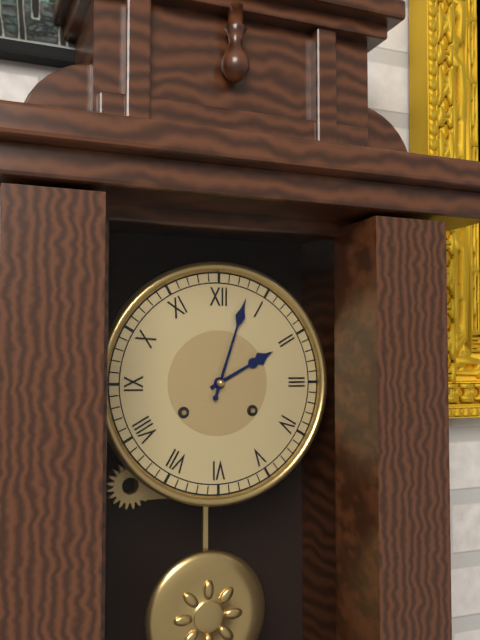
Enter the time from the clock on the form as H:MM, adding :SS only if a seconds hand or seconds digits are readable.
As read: 2:03
